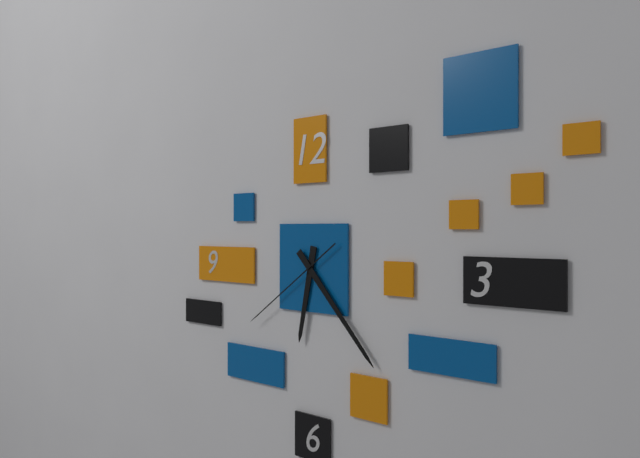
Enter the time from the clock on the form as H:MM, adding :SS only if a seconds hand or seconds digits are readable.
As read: 6:23:39
